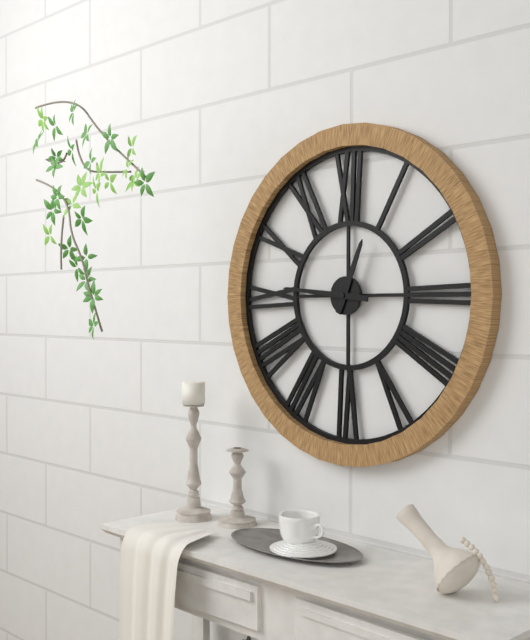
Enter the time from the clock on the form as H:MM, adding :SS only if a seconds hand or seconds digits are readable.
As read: 12:46
